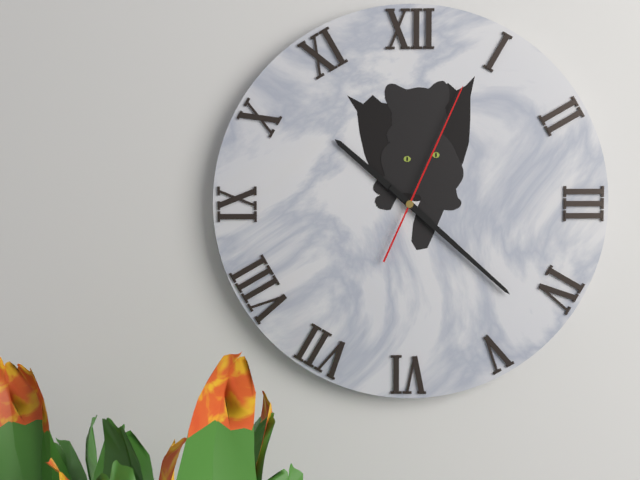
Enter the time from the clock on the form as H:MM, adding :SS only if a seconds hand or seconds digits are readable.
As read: 10:22:04
